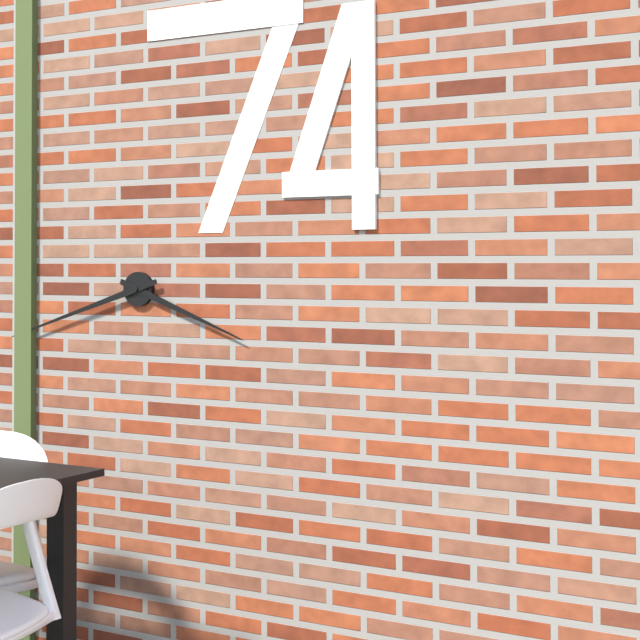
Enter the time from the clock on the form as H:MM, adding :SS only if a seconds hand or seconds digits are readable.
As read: 3:42
